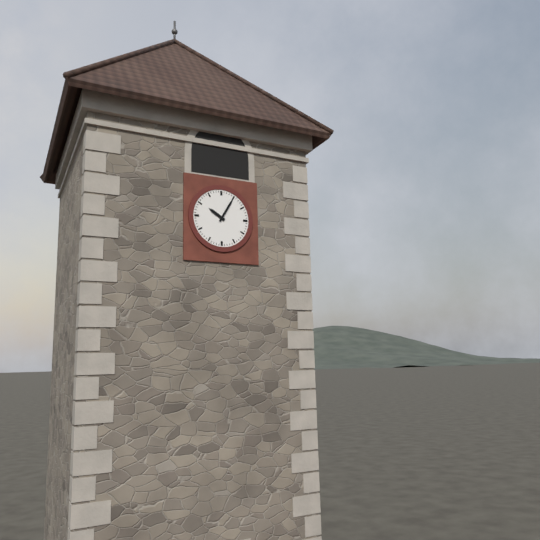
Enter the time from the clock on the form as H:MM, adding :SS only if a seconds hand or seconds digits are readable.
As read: 10:05
